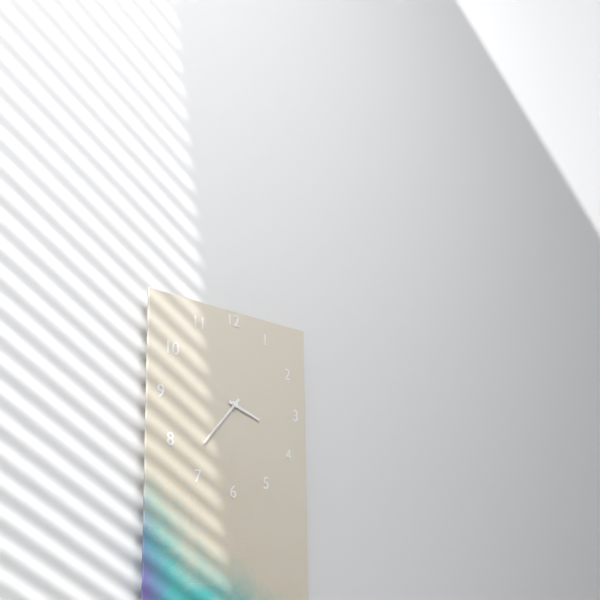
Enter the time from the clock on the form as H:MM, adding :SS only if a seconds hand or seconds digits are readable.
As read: 3:37
